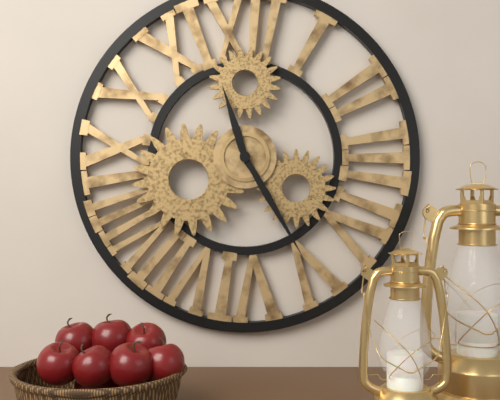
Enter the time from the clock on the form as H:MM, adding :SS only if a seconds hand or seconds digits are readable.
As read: 11:25
